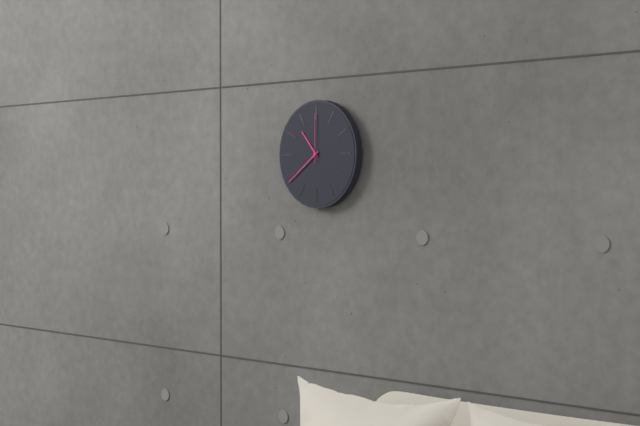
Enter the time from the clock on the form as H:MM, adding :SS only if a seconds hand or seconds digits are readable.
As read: 10:39:00
